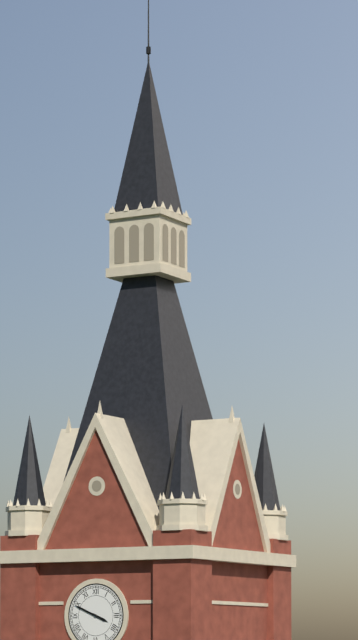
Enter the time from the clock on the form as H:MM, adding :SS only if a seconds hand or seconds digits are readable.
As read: 3:49
